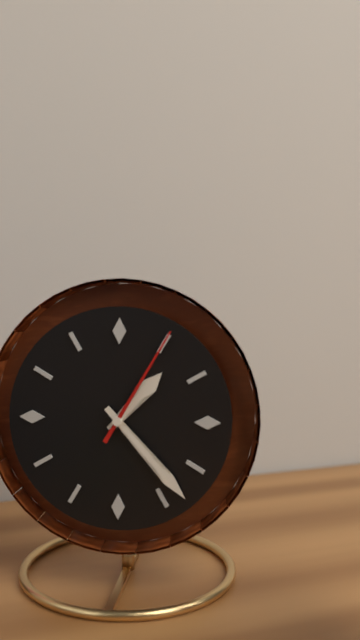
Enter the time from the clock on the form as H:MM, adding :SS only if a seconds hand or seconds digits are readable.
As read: 1:23:05
